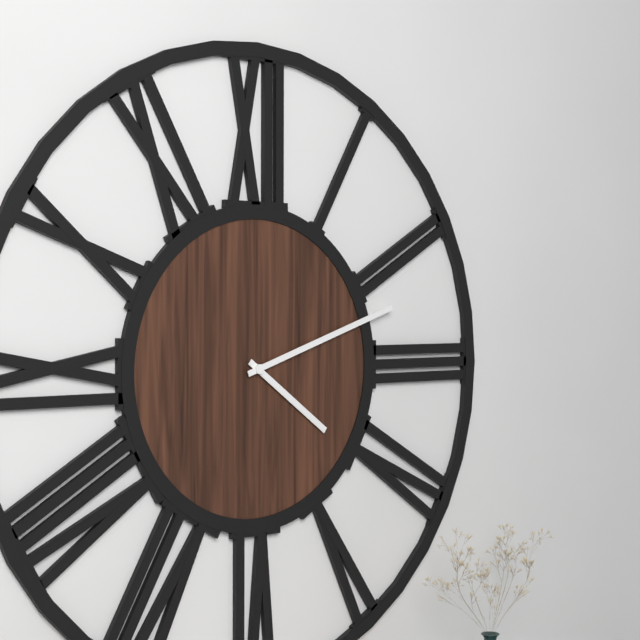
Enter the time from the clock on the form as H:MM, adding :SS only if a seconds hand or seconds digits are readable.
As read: 4:12
